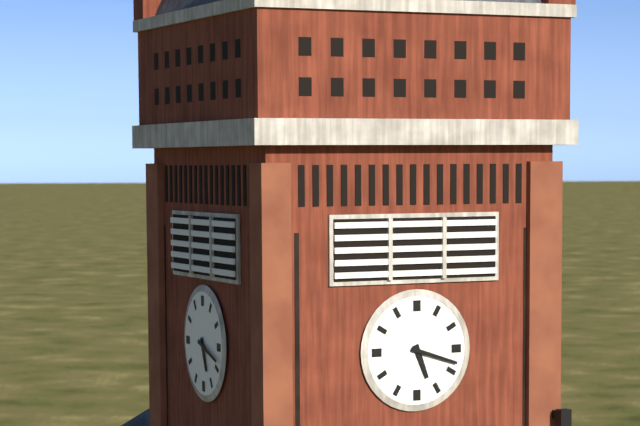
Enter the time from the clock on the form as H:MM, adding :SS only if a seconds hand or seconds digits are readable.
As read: 5:18
